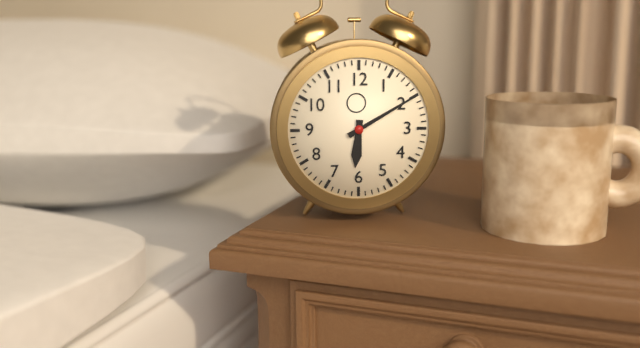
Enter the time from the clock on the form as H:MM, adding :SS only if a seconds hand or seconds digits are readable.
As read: 6:10
